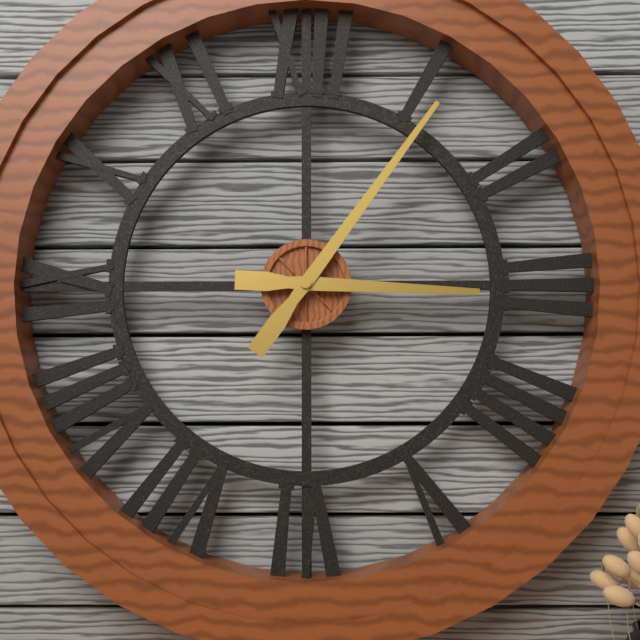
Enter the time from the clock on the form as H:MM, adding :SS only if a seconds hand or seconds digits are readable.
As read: 3:06
